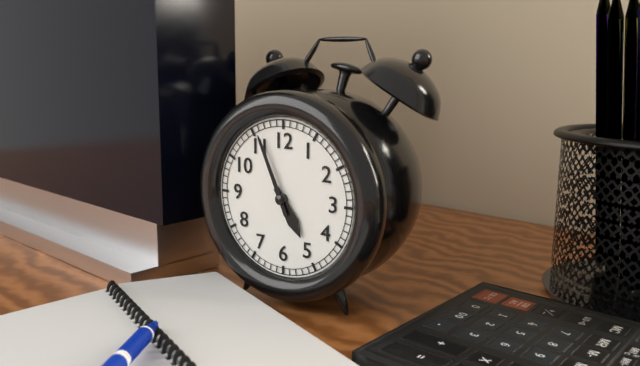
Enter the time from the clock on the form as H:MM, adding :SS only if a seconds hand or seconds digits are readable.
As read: 4:56
